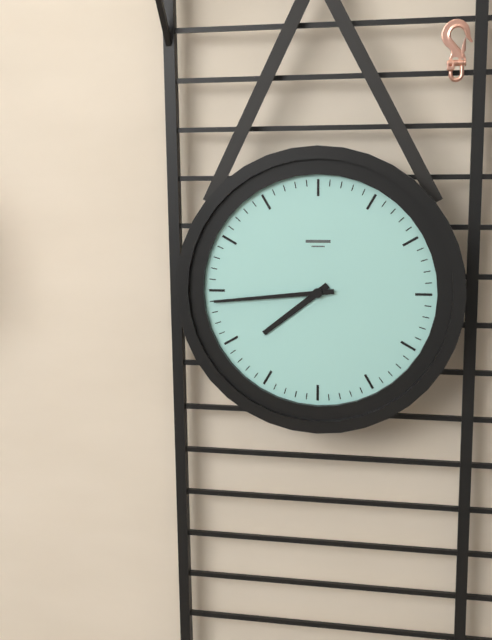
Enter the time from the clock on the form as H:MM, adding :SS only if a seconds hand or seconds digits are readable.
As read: 7:44
